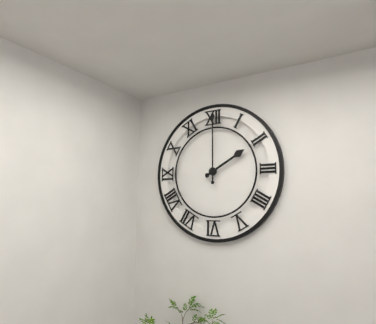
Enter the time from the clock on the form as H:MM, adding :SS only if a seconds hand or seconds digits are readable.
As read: 2:00
